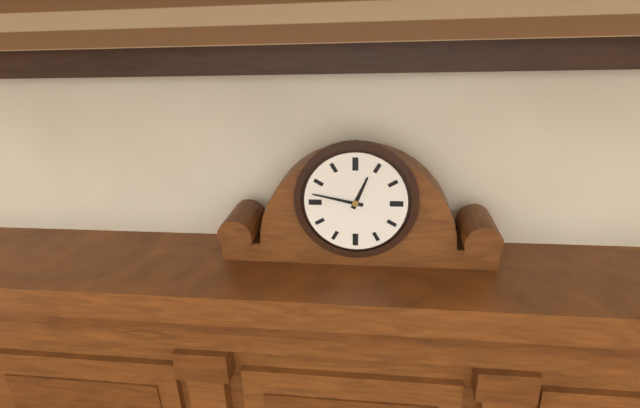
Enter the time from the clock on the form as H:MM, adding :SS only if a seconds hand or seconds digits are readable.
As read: 12:47
